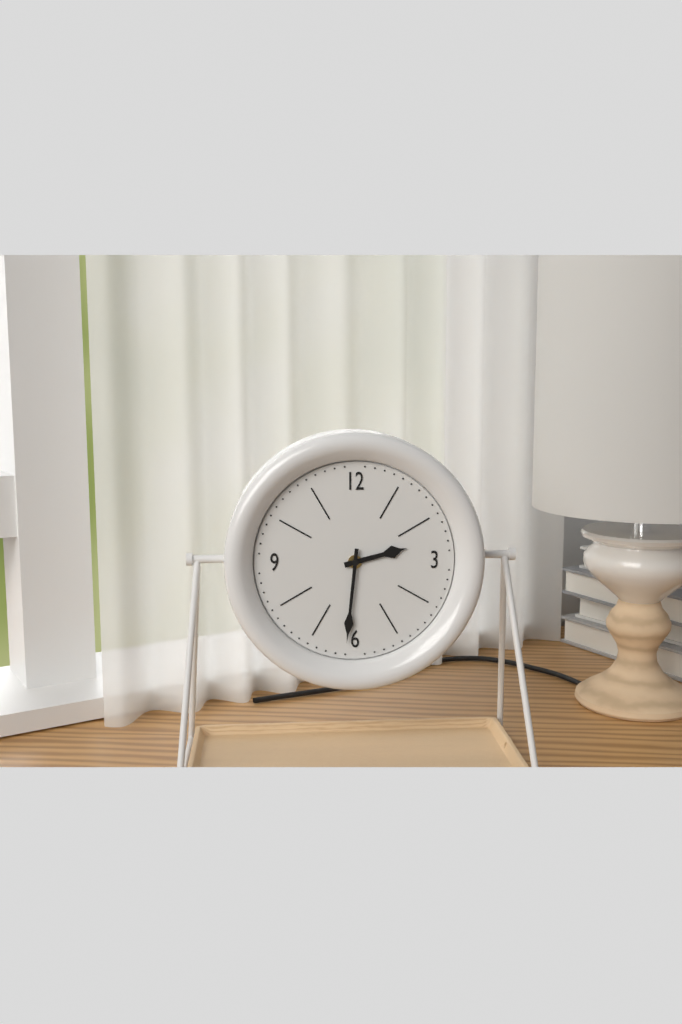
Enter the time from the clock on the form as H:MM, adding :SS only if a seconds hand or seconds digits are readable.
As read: 2:31
